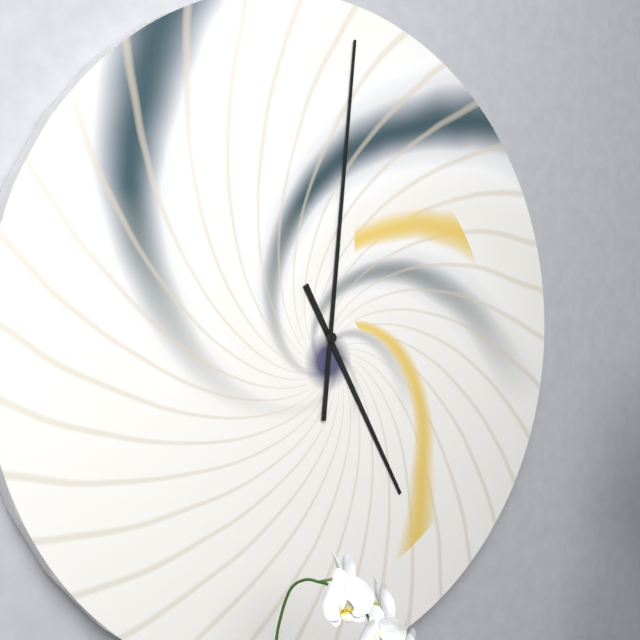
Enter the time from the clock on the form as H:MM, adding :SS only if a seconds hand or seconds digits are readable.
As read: 5:01
